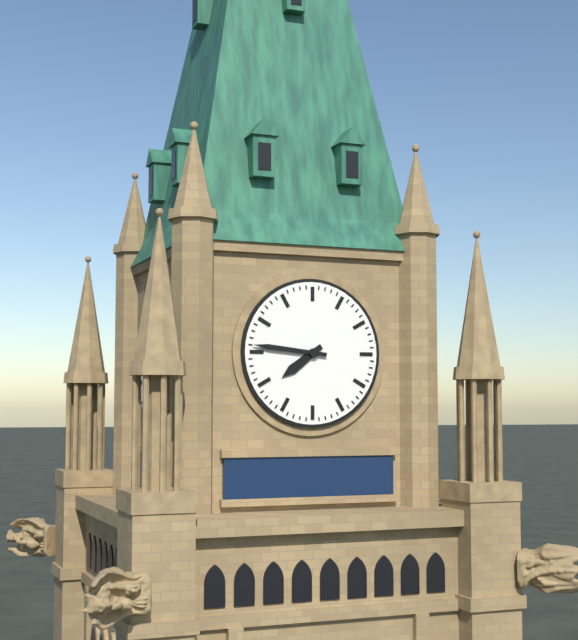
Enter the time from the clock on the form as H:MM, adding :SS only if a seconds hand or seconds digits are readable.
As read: 7:46
